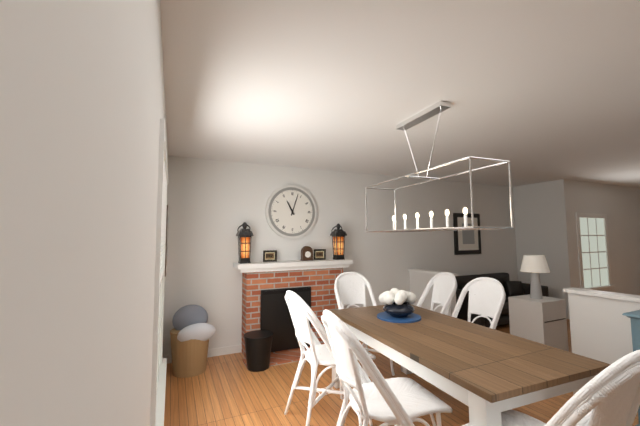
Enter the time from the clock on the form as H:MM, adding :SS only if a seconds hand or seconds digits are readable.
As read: 11:03
